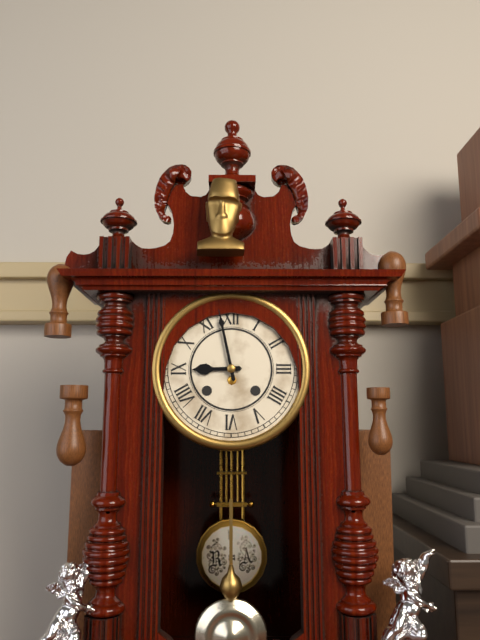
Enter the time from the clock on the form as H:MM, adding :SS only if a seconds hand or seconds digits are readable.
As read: 8:58
